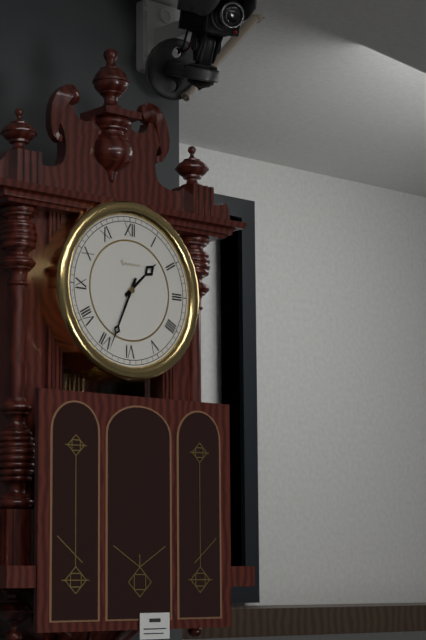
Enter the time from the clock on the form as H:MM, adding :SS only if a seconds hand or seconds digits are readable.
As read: 1:34
